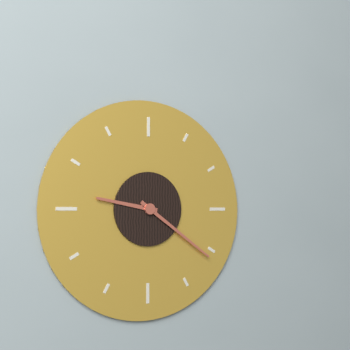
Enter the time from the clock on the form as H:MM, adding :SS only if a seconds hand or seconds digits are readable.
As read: 9:21
